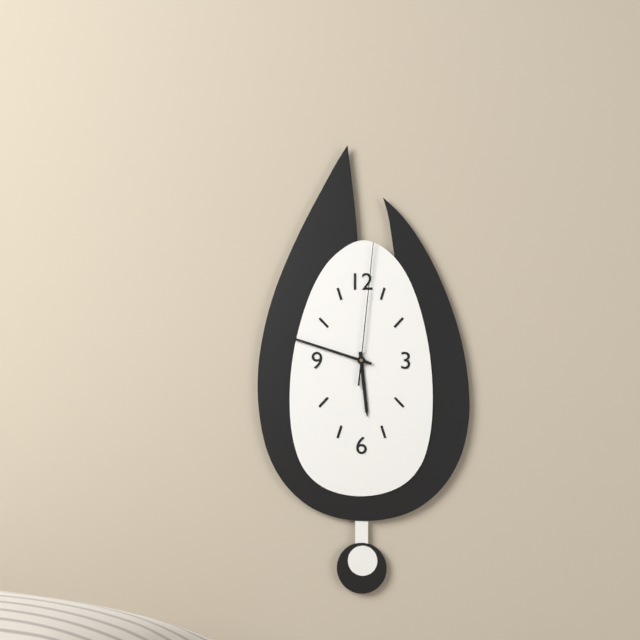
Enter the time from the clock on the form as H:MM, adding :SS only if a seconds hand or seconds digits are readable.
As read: 5:48:01
